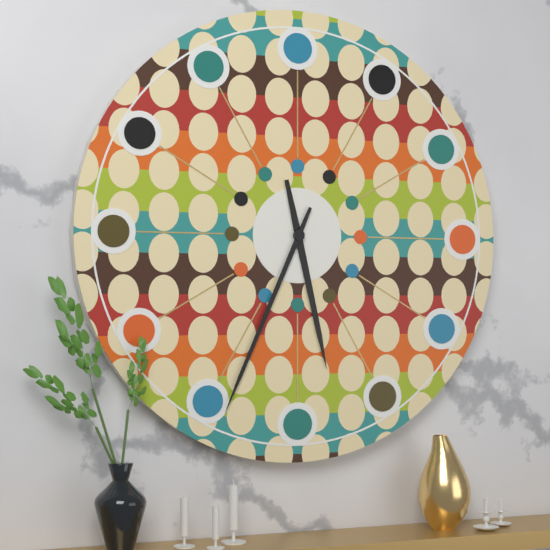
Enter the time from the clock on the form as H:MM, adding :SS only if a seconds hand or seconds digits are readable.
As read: 5:34
